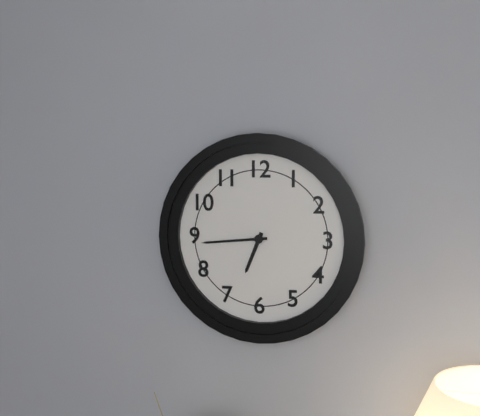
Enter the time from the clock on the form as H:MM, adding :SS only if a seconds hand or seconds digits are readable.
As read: 6:44
